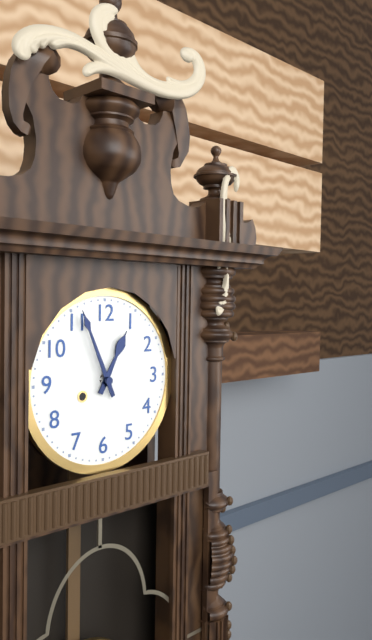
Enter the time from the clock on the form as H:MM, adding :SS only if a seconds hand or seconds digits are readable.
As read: 12:56
